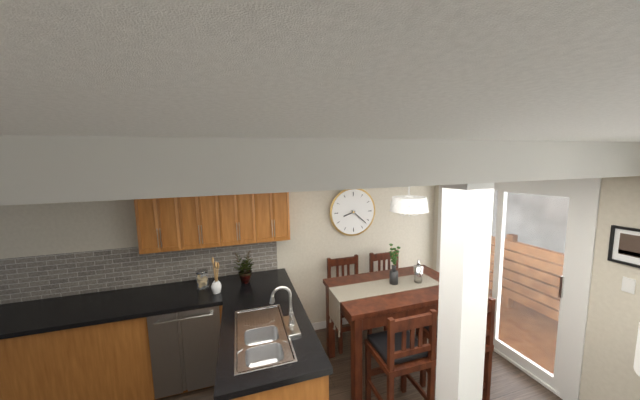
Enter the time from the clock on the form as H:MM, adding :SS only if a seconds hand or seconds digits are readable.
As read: 8:22
